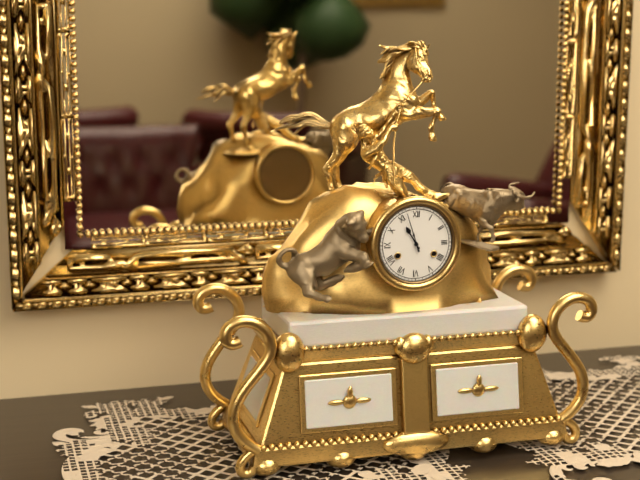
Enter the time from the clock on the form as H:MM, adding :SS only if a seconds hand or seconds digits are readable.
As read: 10:57
